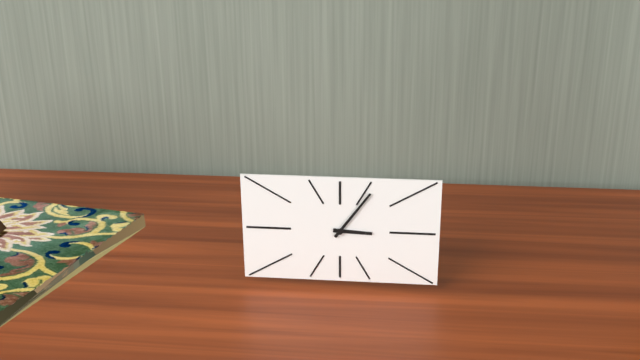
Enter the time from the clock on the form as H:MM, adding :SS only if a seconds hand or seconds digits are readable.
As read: 3:06
